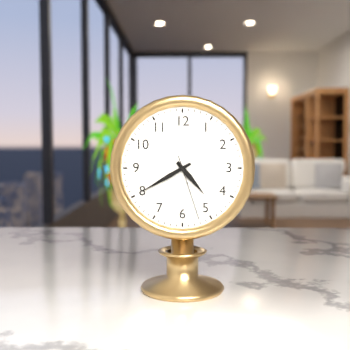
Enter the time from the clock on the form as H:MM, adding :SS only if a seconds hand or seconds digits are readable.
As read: 4:40:27
